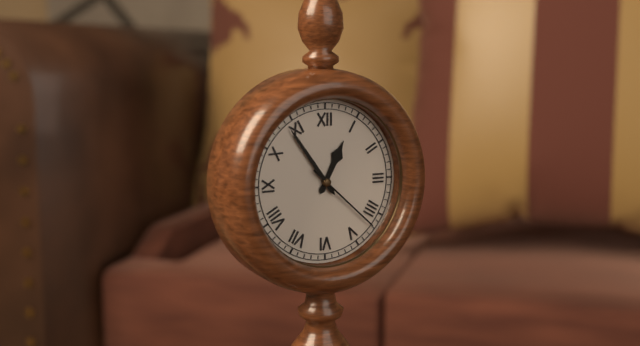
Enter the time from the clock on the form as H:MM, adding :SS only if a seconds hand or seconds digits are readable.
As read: 12:54:22
